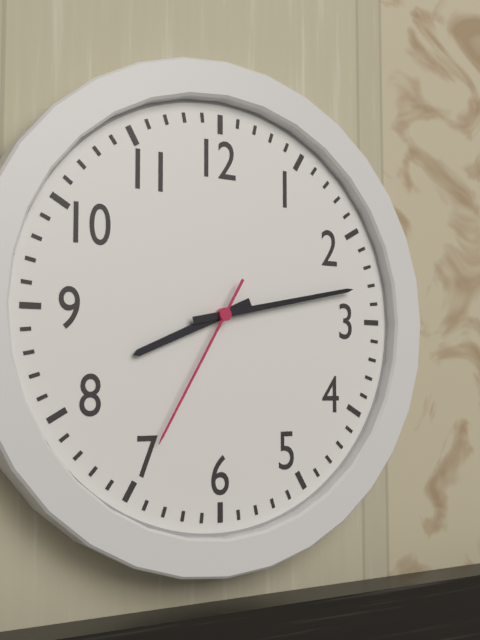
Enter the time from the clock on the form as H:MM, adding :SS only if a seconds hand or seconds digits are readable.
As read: 8:13:35
